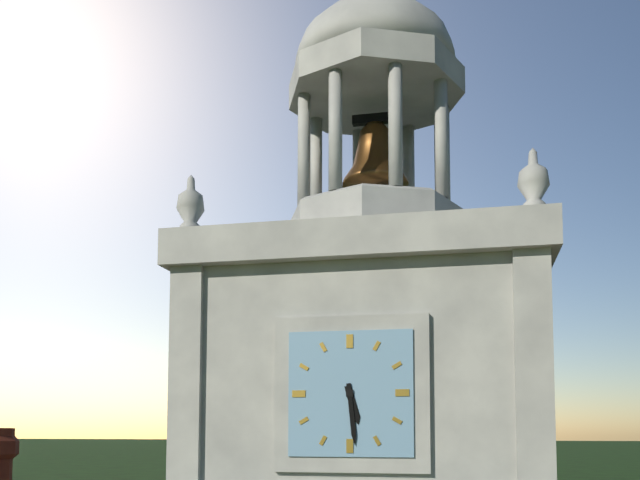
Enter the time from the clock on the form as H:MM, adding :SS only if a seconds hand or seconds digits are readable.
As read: 5:29
